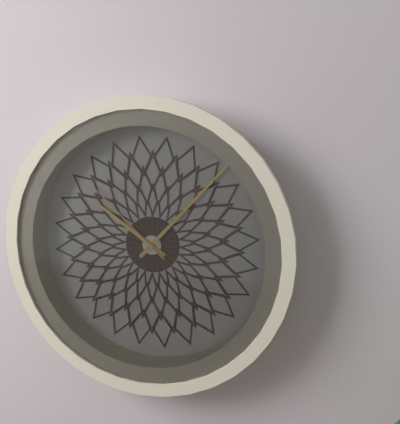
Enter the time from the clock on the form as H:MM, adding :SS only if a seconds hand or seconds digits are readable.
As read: 10:07:52
